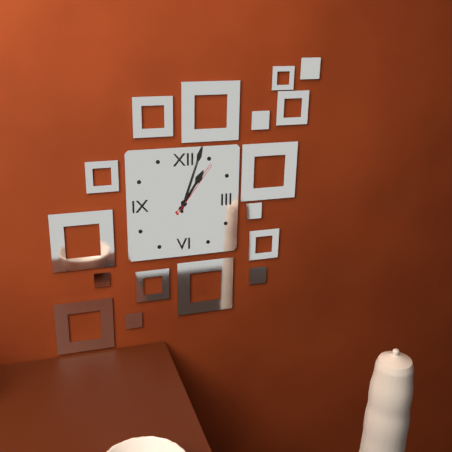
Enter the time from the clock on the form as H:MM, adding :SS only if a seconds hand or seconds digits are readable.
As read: 1:03:06
